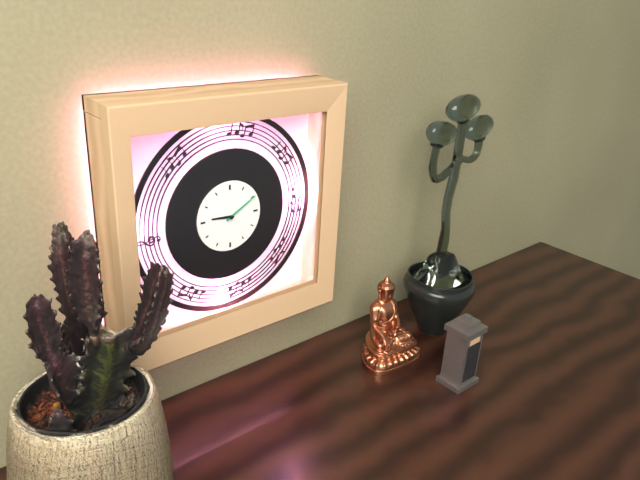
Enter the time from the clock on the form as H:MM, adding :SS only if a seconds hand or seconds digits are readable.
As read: 9:10
